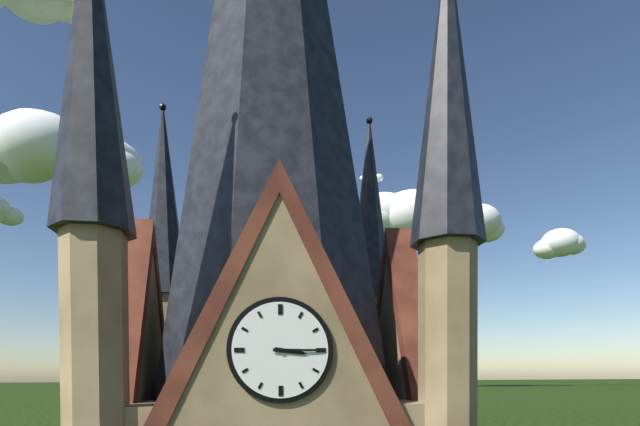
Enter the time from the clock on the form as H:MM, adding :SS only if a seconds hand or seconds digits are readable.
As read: 3:15
